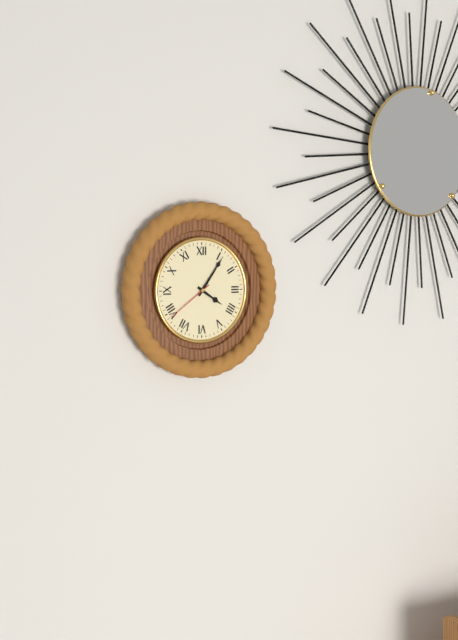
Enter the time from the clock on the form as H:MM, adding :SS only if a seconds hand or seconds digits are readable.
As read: 4:06
